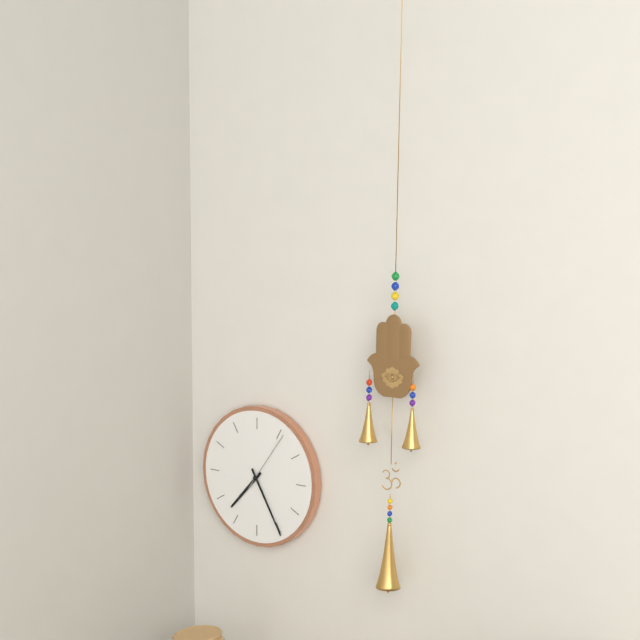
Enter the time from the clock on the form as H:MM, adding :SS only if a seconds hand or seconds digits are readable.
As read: 7:25:06
